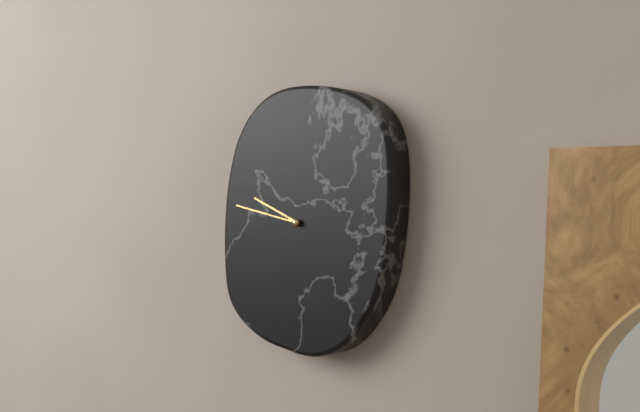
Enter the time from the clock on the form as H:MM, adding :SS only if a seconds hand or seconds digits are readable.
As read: 9:47
